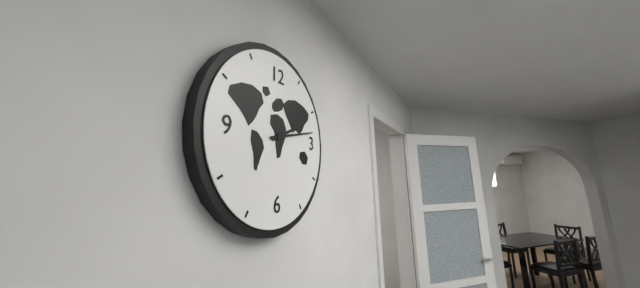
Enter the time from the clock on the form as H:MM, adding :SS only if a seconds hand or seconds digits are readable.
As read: 2:13
